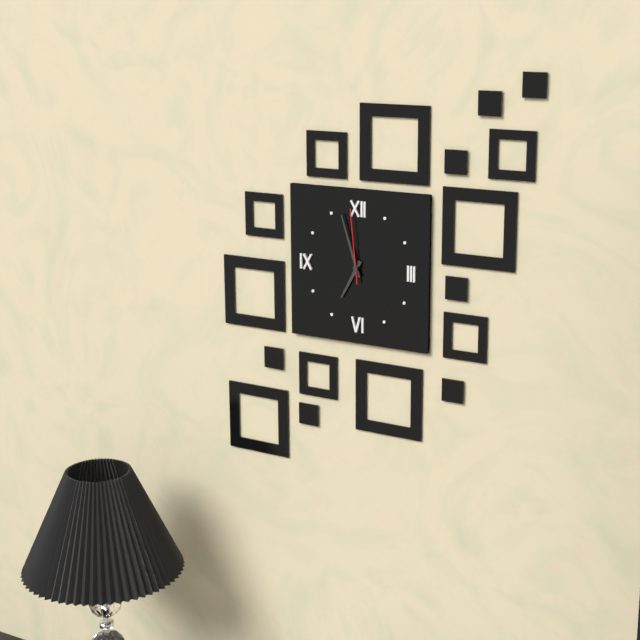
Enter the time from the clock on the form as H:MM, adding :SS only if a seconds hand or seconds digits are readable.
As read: 6:57:59
